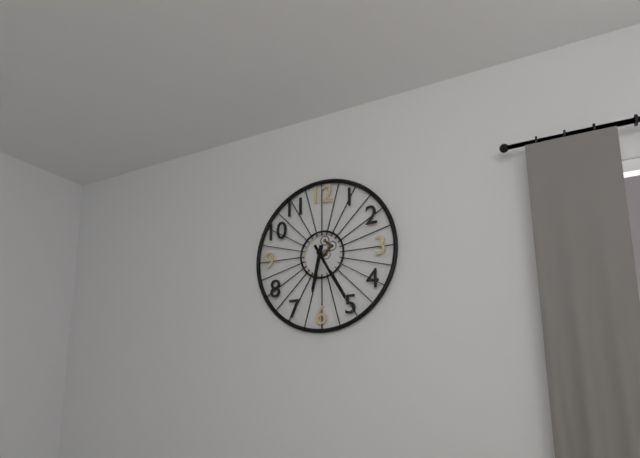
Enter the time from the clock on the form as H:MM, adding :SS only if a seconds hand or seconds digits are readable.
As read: 6:25
